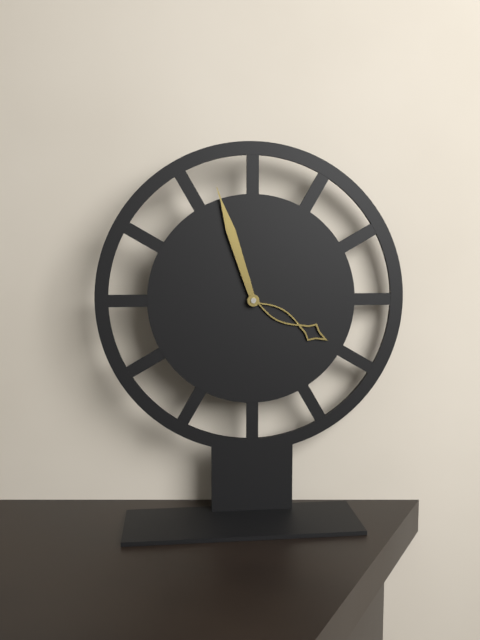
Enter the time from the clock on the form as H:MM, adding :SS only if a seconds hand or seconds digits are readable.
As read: 3:57
